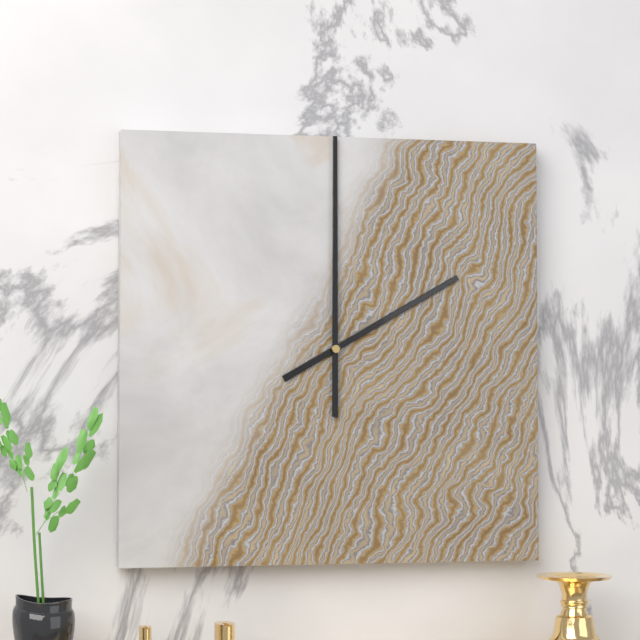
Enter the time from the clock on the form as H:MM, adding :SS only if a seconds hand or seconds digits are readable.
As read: 2:00
